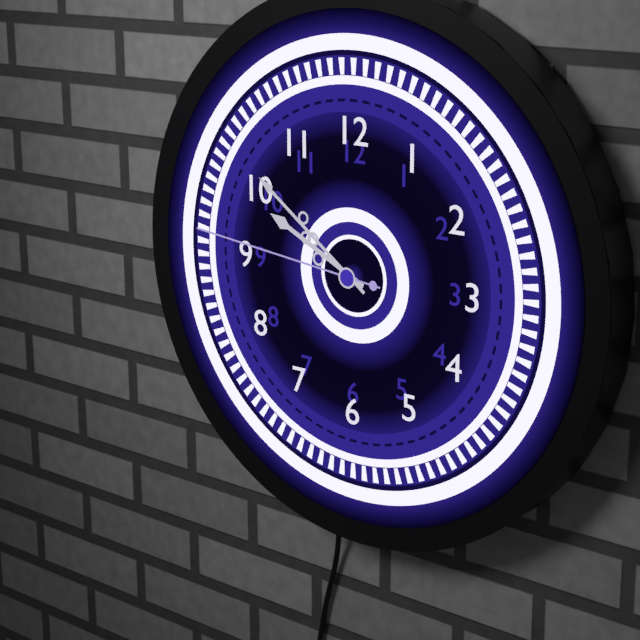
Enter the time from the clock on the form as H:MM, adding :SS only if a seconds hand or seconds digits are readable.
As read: 9:51:46
